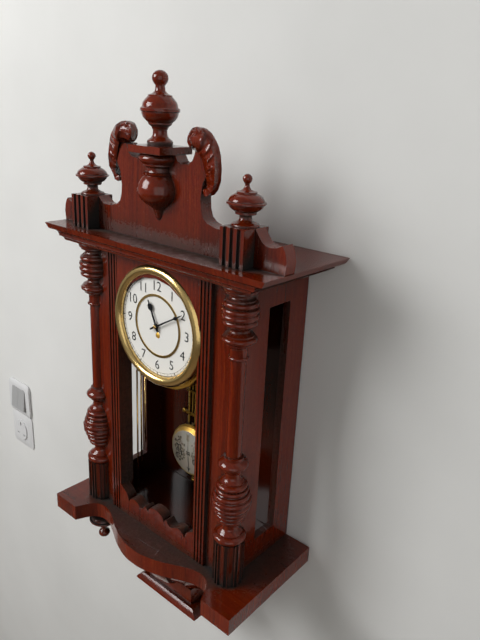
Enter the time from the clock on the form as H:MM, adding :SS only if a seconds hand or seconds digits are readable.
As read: 11:10
